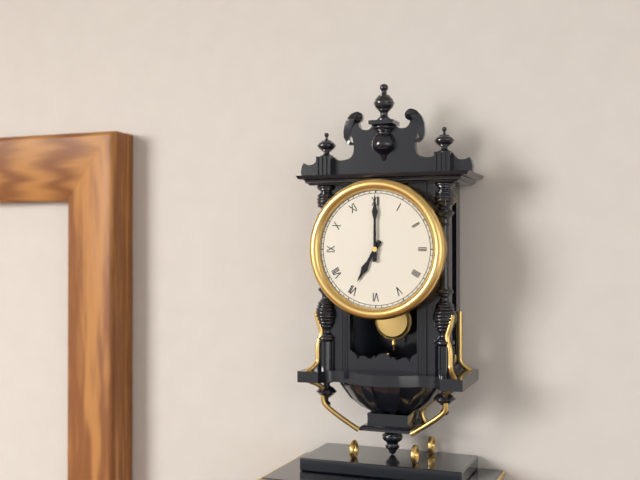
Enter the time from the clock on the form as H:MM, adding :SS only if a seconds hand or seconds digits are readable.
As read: 7:00
